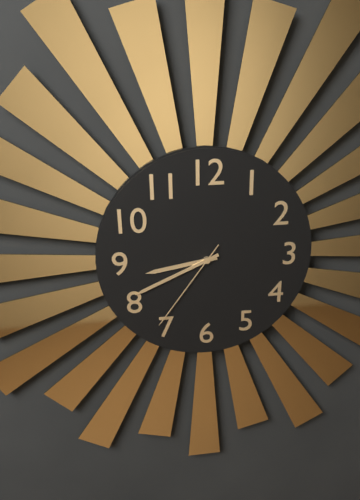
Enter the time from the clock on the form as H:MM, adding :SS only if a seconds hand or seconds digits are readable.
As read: 8:41:36
